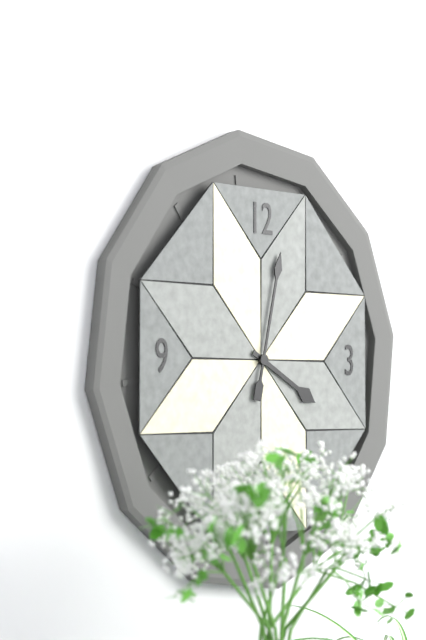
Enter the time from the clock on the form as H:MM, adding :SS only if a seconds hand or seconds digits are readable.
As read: 4:02
